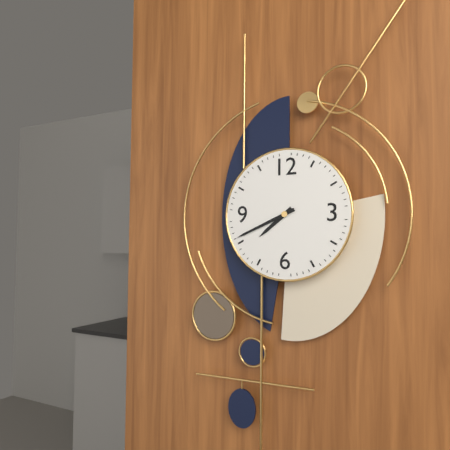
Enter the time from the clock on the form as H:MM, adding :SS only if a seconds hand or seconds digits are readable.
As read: 7:41
